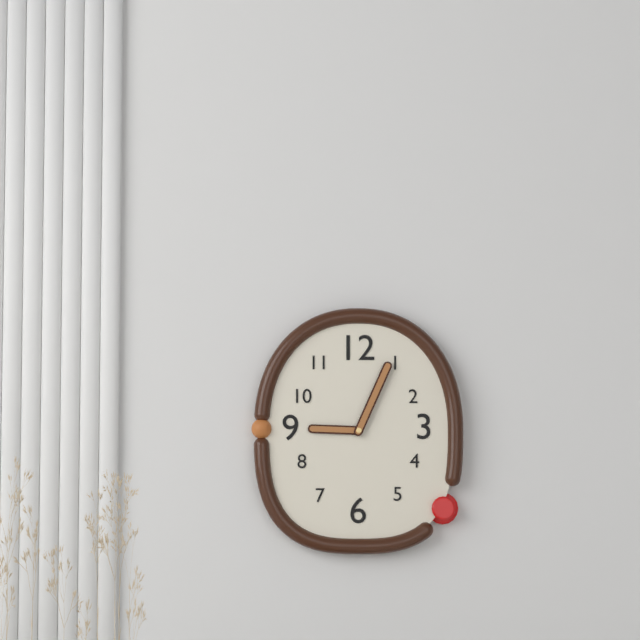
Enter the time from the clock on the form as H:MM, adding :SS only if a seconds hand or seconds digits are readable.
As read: 9:04
